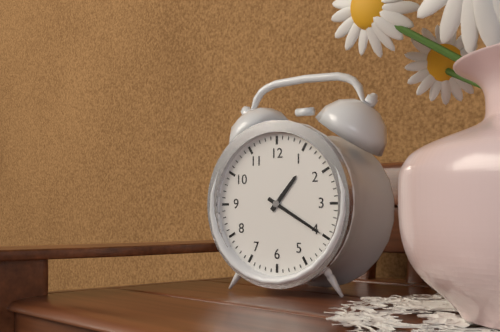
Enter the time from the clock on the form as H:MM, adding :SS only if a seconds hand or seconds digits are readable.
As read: 1:20
